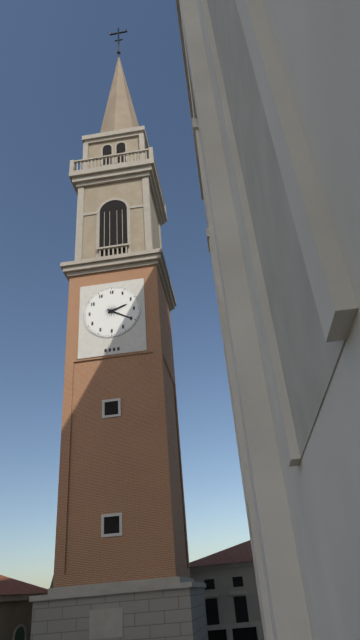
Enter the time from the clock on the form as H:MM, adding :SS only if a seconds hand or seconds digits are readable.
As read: 2:20
